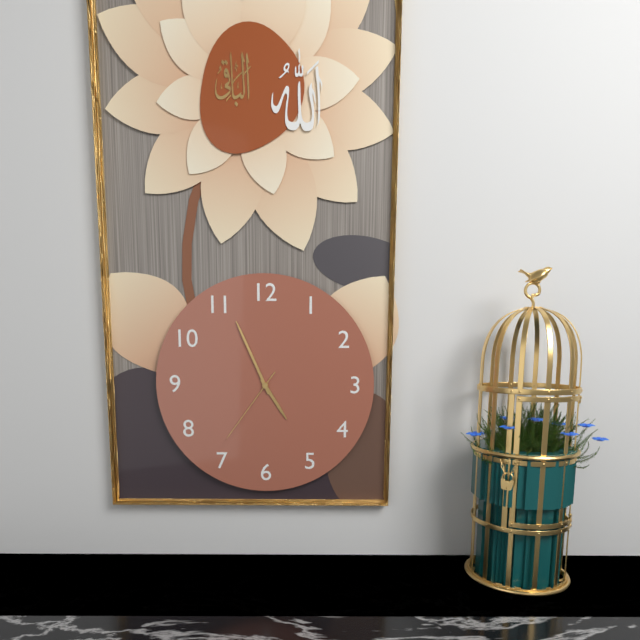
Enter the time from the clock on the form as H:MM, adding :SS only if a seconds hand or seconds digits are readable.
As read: 4:56:36
